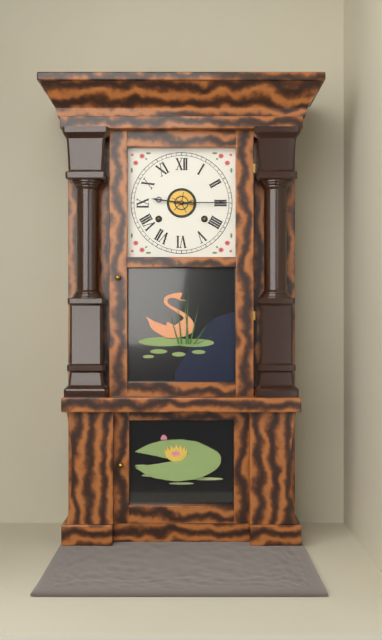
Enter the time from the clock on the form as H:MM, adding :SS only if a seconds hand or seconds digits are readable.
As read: 9:15
